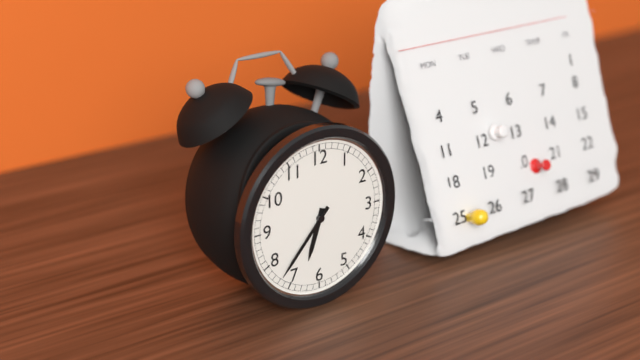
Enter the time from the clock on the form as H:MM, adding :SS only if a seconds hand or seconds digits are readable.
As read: 6:37
